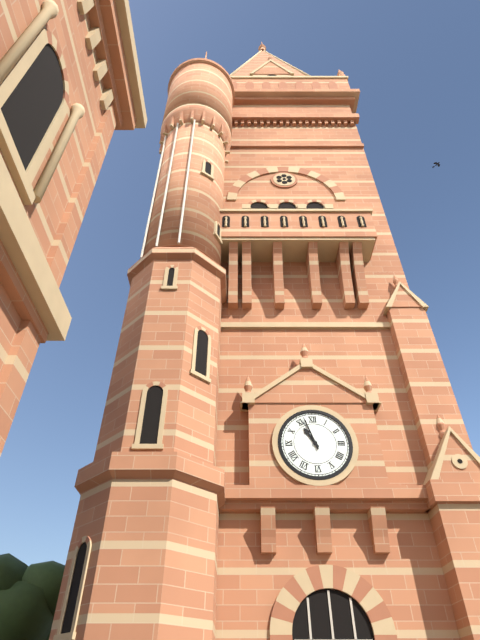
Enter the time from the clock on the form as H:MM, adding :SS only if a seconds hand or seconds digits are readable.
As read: 10:57
